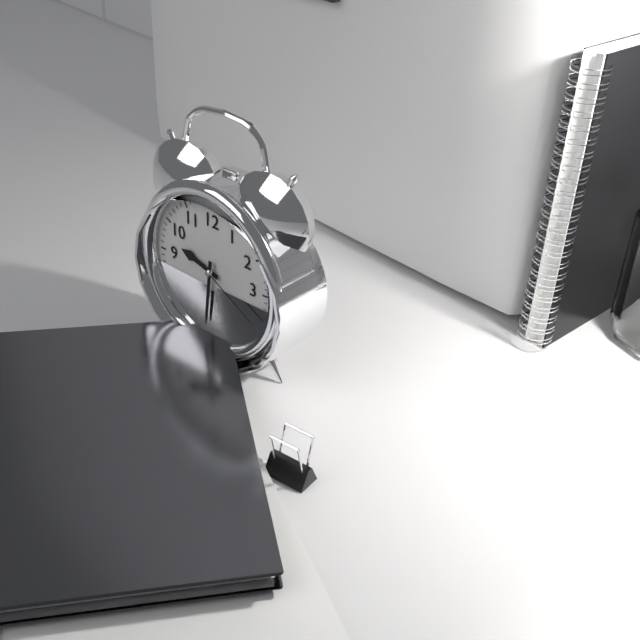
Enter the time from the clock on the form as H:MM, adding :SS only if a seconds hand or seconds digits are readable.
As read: 9:31:20
